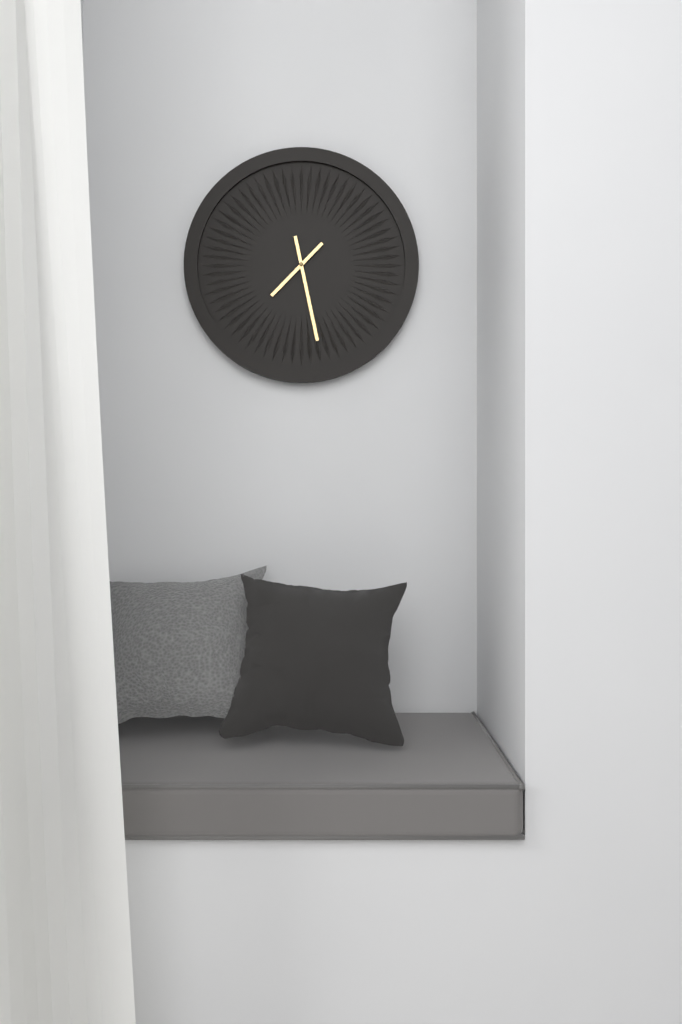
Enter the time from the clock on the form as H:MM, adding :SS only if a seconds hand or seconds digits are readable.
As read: 7:28
